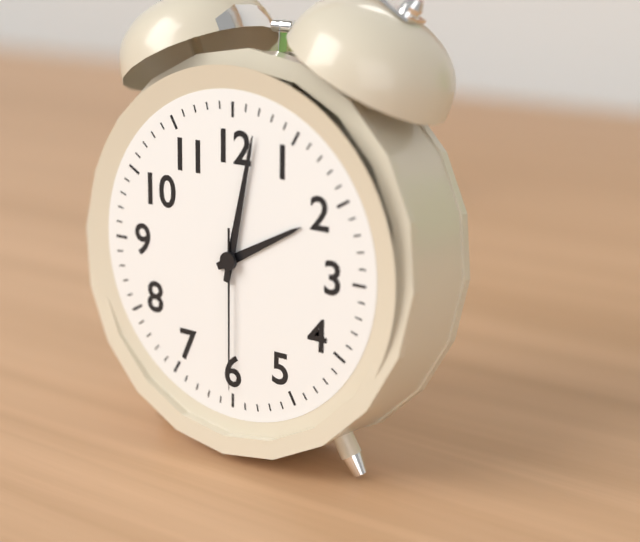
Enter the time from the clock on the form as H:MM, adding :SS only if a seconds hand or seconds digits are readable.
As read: 2:02:30
